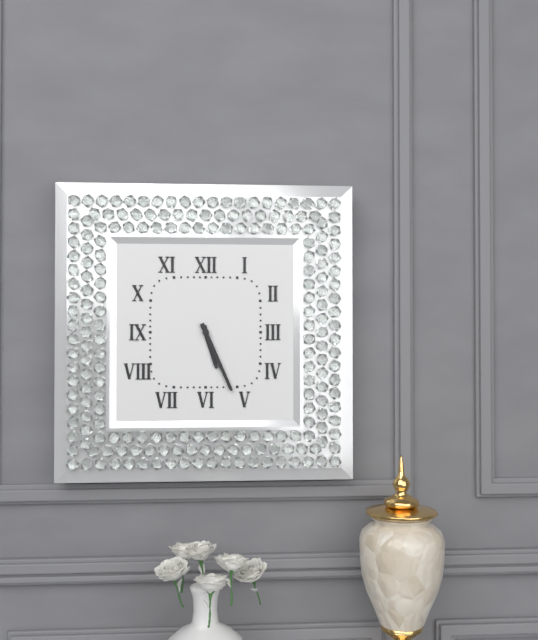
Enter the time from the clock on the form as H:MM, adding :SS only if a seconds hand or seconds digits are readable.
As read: 5:26
